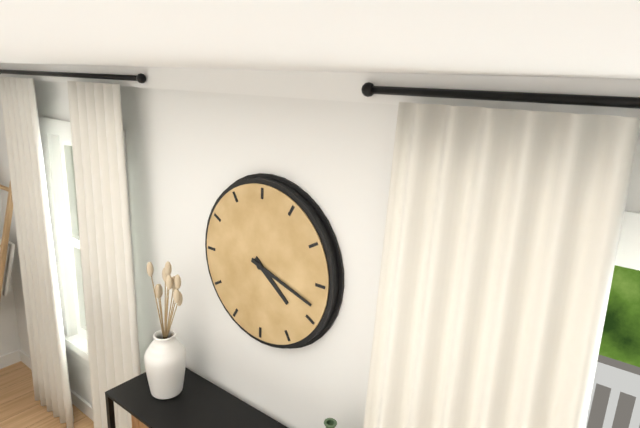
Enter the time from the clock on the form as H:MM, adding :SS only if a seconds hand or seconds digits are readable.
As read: 4:18
